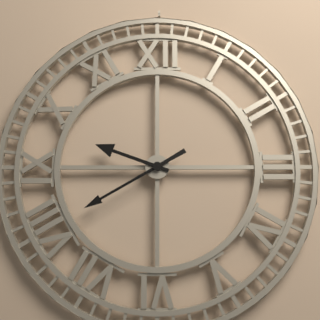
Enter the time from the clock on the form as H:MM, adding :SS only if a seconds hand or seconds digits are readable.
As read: 9:40
